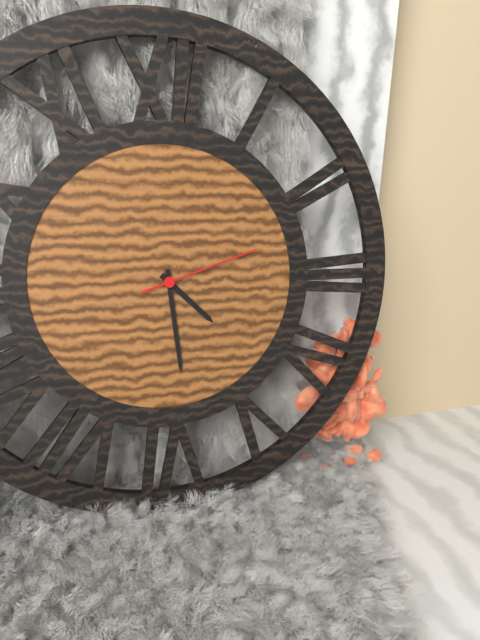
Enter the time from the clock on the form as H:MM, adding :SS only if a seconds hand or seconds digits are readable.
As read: 4:29:12
